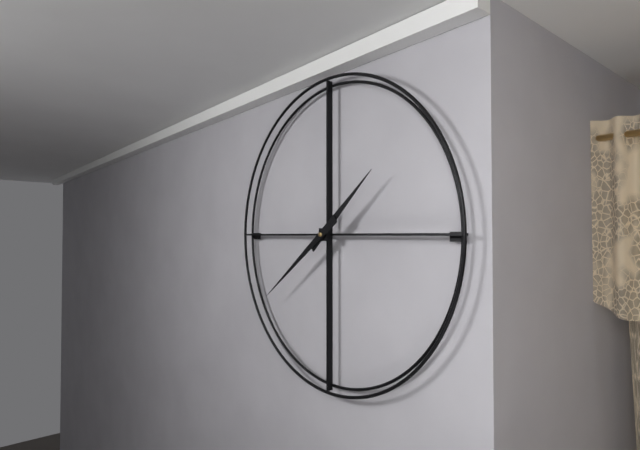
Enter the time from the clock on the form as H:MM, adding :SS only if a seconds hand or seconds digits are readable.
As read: 1:39
